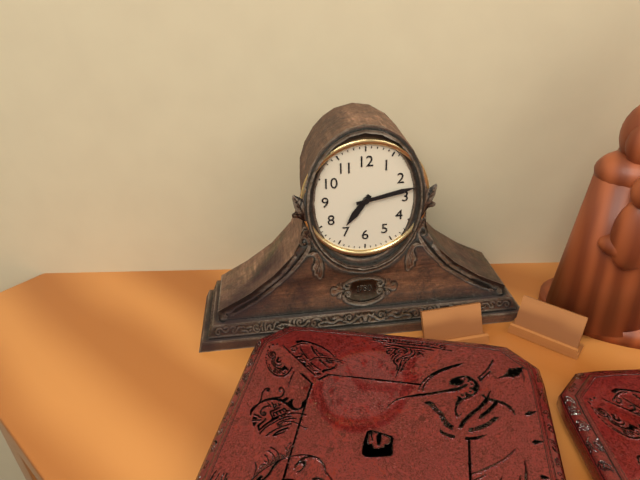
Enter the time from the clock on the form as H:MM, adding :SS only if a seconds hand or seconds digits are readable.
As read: 7:13
